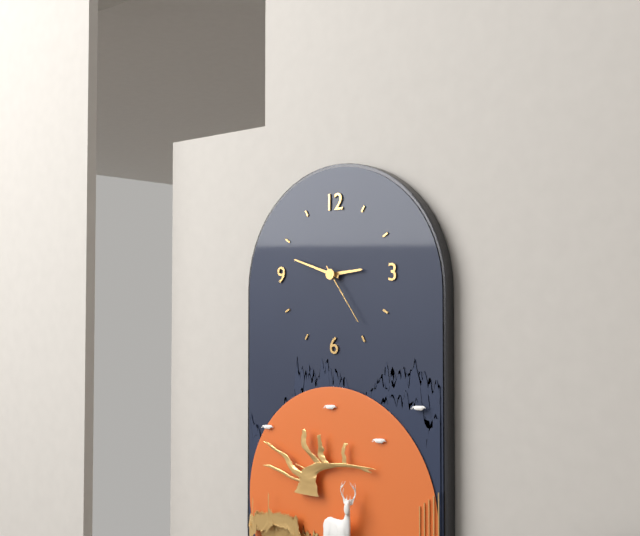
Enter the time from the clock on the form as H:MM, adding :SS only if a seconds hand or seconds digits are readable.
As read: 2:48:24
